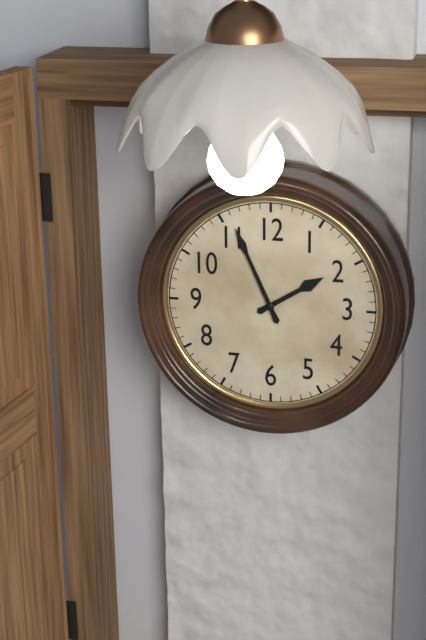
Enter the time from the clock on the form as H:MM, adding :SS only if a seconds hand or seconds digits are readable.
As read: 1:56
